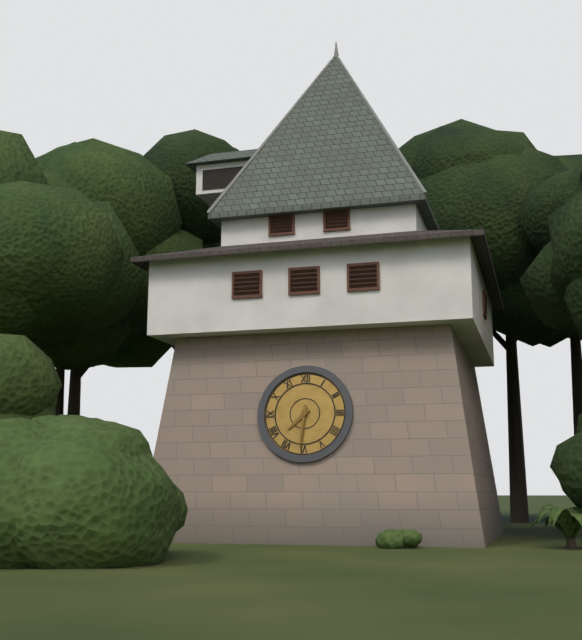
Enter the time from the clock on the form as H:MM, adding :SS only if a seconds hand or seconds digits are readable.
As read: 7:31
